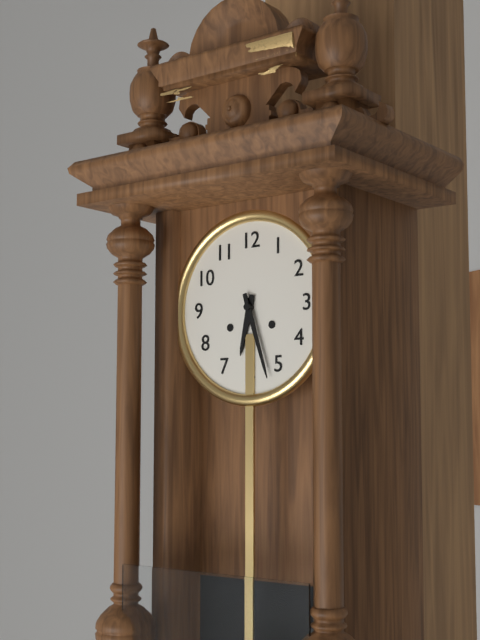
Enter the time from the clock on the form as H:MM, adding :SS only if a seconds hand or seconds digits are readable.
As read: 6:27
